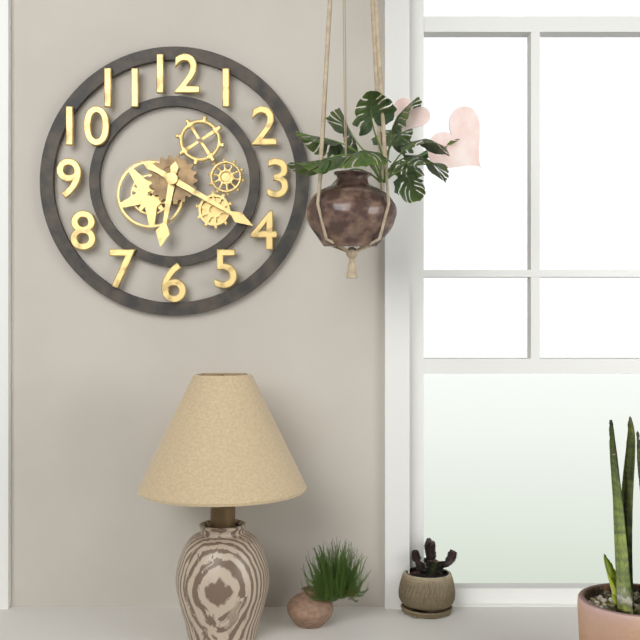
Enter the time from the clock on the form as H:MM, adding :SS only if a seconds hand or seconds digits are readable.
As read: 6:20
